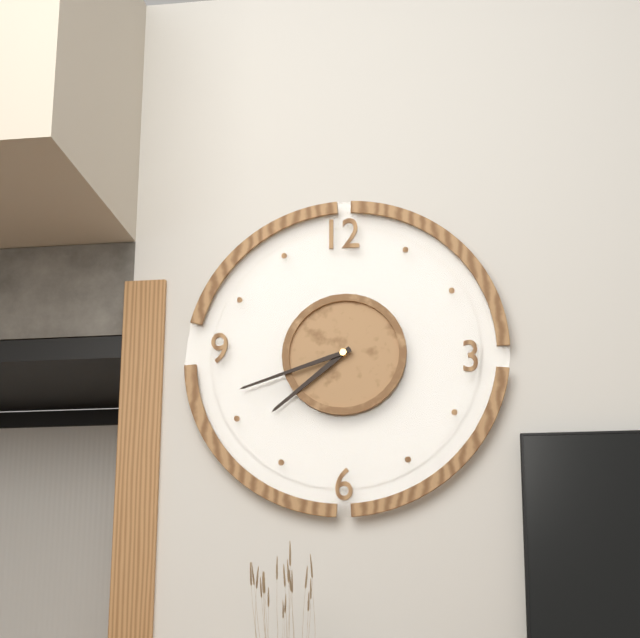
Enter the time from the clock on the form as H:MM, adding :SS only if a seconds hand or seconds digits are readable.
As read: 7:42
